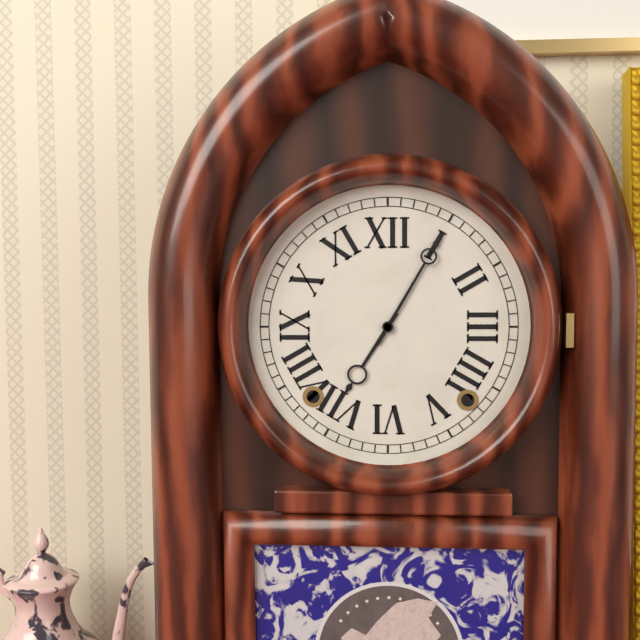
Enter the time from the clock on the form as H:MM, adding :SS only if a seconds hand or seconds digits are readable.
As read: 7:05
